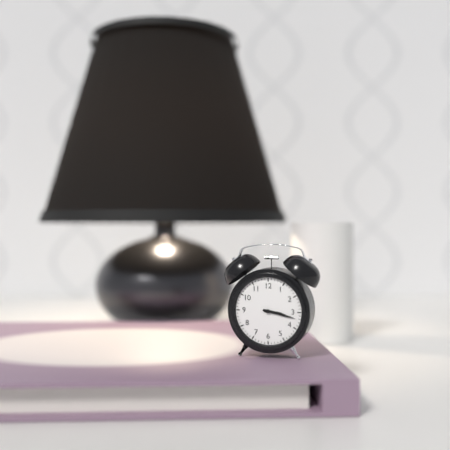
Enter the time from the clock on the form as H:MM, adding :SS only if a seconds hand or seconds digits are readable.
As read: 3:17
